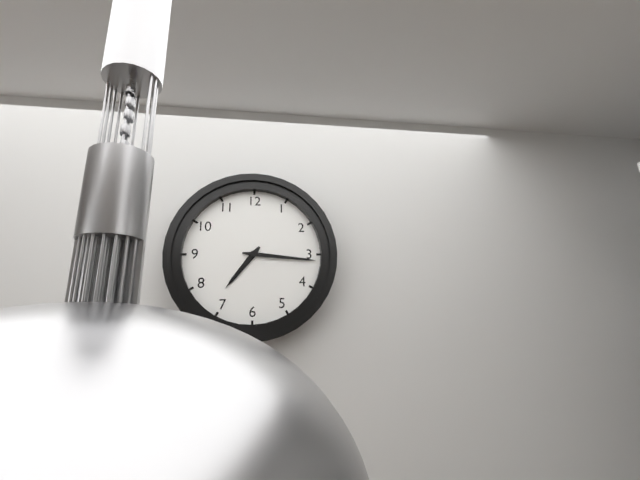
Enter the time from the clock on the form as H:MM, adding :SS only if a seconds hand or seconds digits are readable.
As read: 7:16
